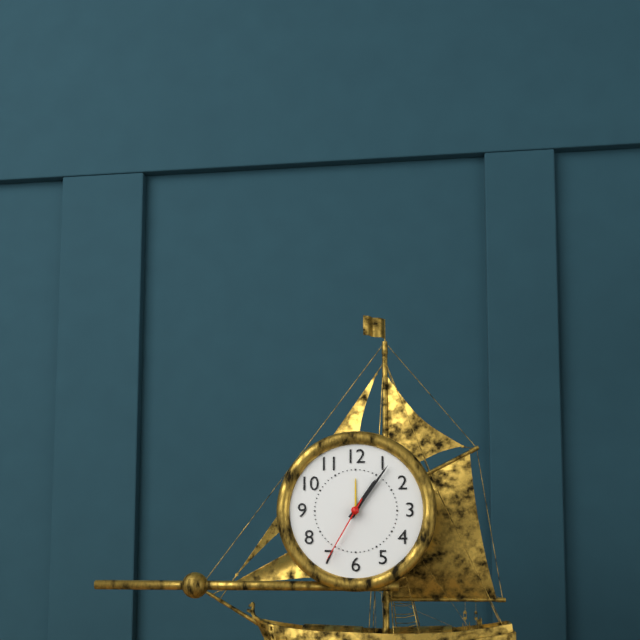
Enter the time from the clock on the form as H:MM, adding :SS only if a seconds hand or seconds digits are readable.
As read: 1:06:35
